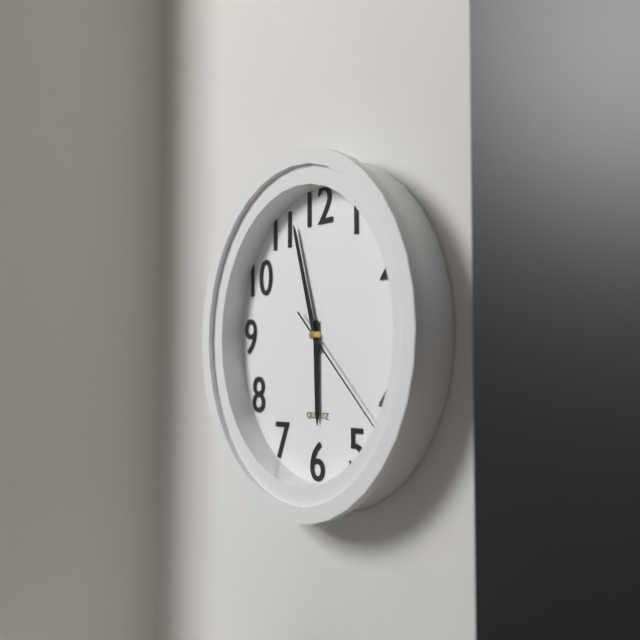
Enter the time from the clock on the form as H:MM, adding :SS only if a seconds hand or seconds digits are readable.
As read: 5:57:22
